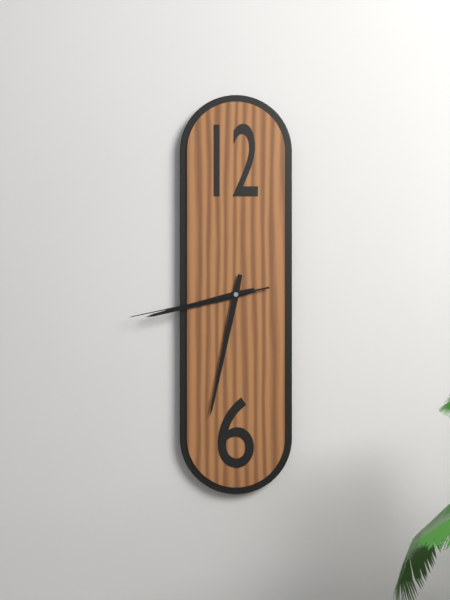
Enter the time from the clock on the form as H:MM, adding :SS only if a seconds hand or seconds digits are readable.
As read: 8:32:43
